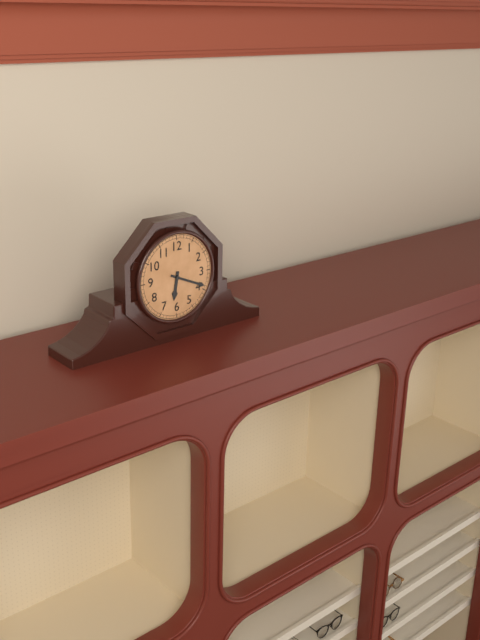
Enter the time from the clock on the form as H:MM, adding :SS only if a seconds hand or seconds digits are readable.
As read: 6:19
